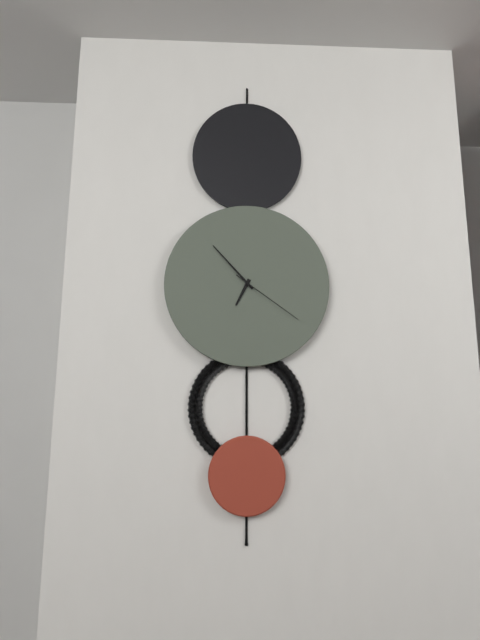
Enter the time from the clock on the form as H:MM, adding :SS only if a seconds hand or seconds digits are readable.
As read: 6:53:21
